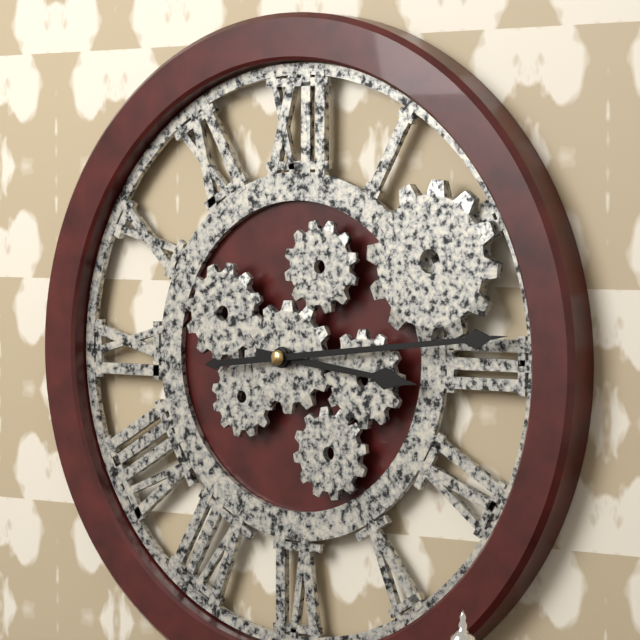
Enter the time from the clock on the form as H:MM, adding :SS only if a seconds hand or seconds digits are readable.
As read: 3:14
